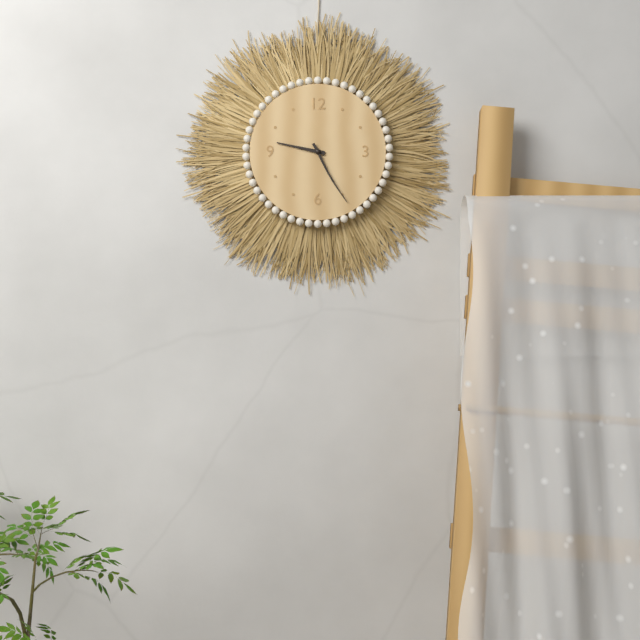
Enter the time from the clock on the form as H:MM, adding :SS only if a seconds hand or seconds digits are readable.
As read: 9:25
